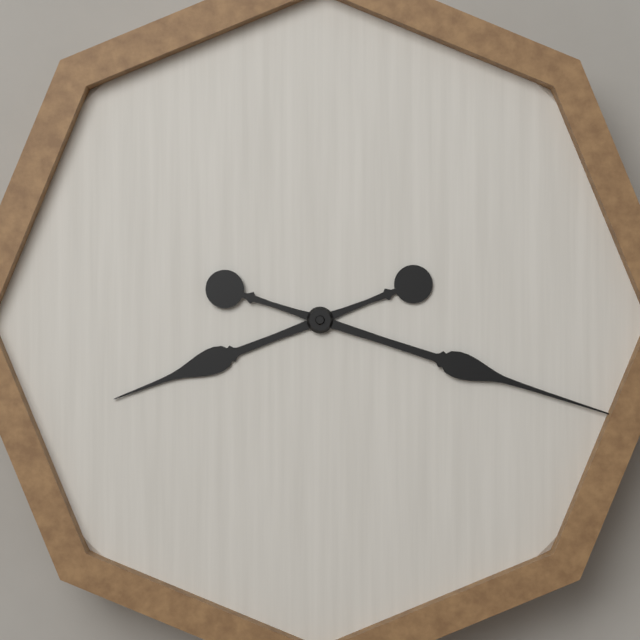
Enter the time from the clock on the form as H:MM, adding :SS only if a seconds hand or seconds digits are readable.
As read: 8:18
